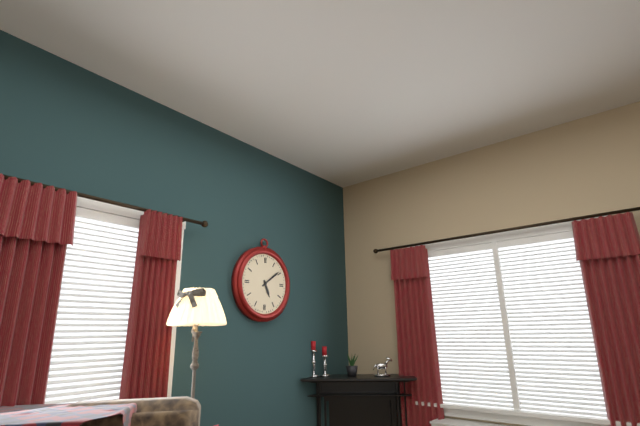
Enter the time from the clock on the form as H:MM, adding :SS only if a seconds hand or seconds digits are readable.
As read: 5:09
